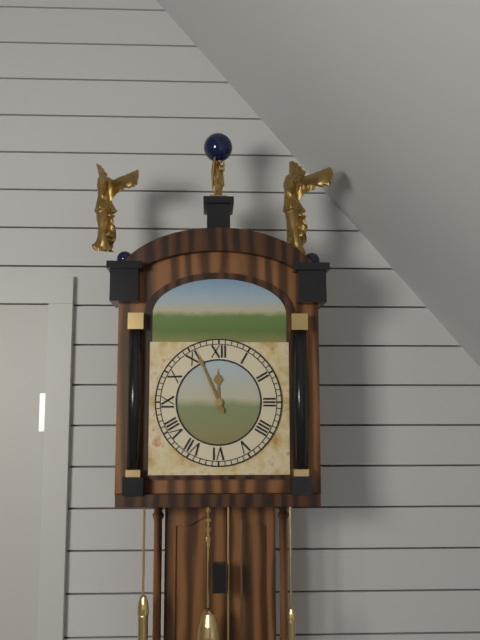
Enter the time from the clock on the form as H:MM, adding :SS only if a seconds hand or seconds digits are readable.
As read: 11:56
